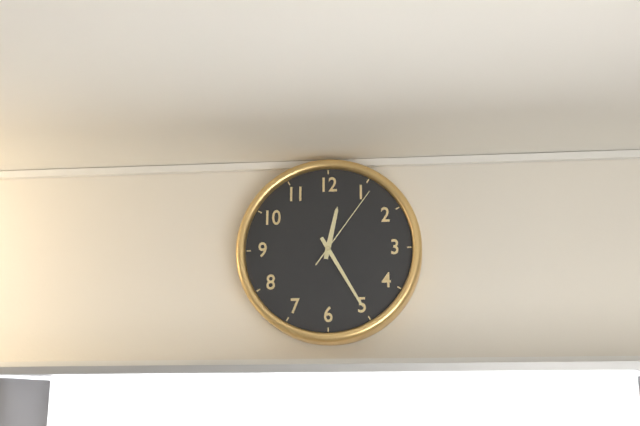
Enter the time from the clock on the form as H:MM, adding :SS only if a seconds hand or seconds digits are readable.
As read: 12:25:06
